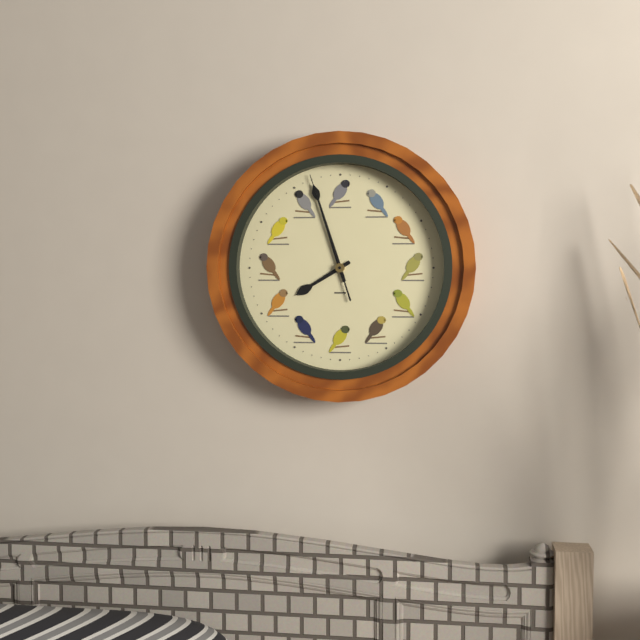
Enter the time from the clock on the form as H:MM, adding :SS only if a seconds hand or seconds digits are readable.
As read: 7:57:57
